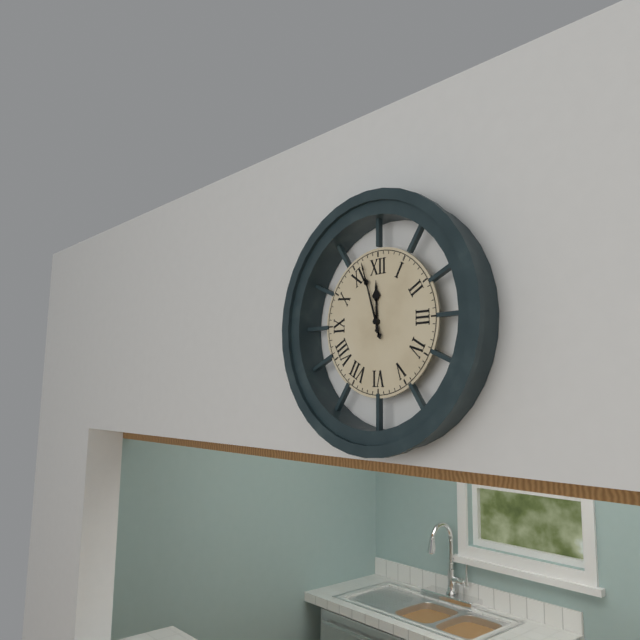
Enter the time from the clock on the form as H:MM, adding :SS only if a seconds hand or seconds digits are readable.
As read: 11:57
